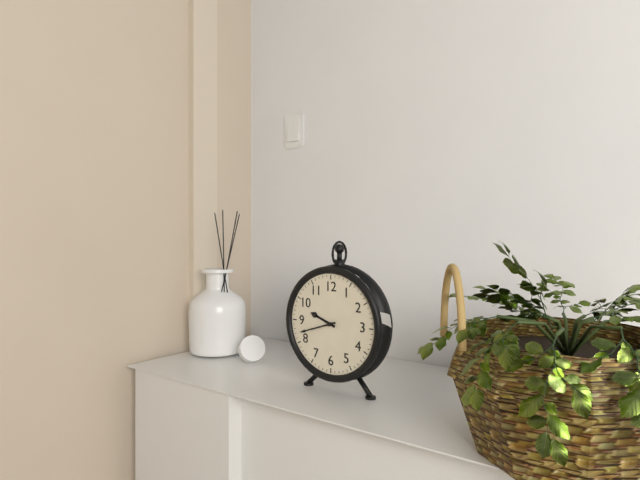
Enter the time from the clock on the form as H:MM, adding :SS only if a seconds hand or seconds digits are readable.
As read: 9:42
